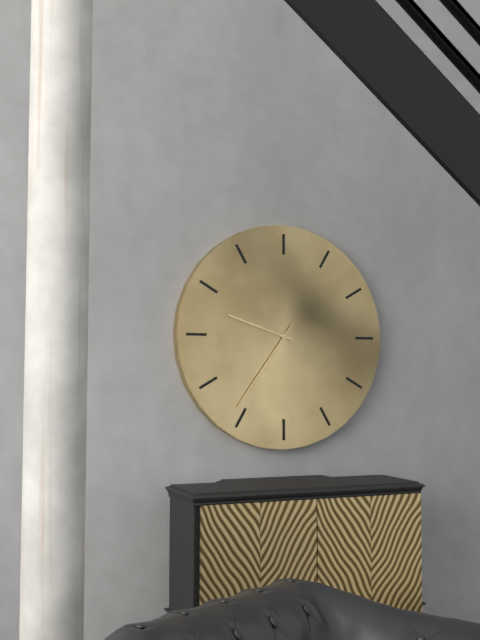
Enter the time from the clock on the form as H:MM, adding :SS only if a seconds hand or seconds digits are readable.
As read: 9:36
